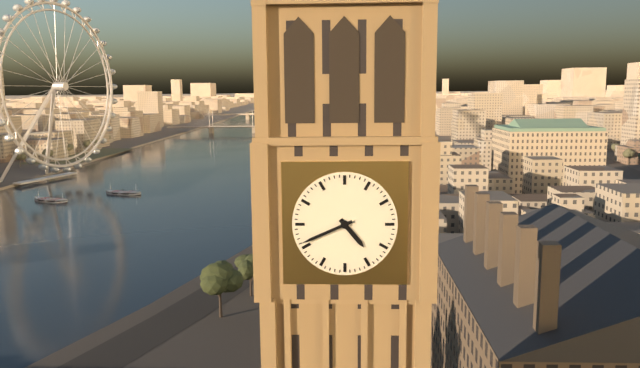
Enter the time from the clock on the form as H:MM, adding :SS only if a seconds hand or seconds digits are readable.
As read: 4:41
